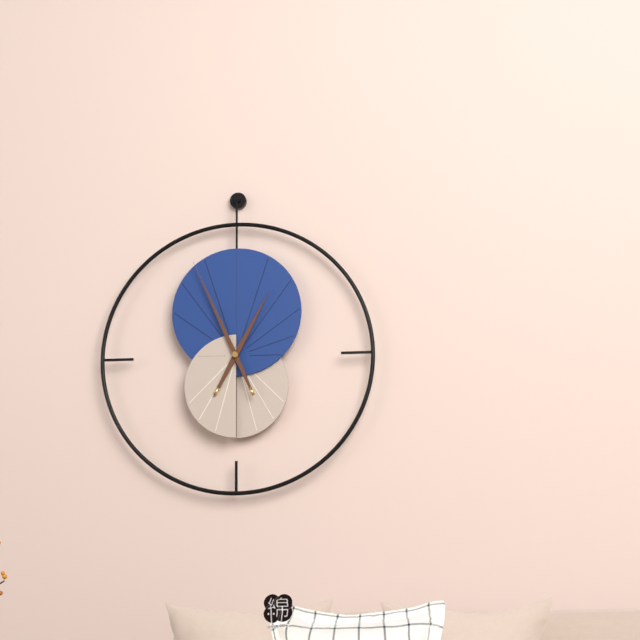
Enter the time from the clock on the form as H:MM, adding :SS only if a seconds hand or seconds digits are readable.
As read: 12:56
